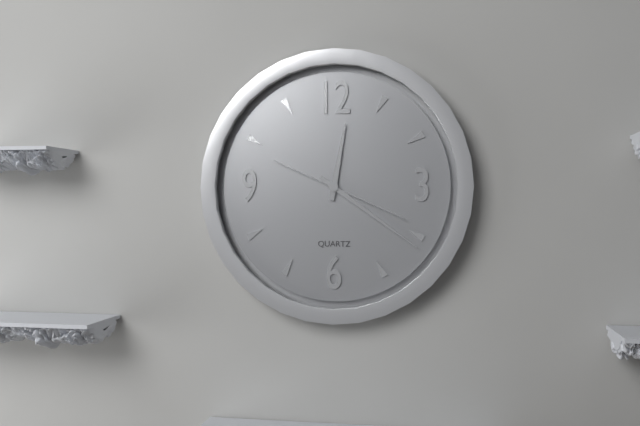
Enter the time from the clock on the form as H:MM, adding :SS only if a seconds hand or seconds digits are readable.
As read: 12:21:19
